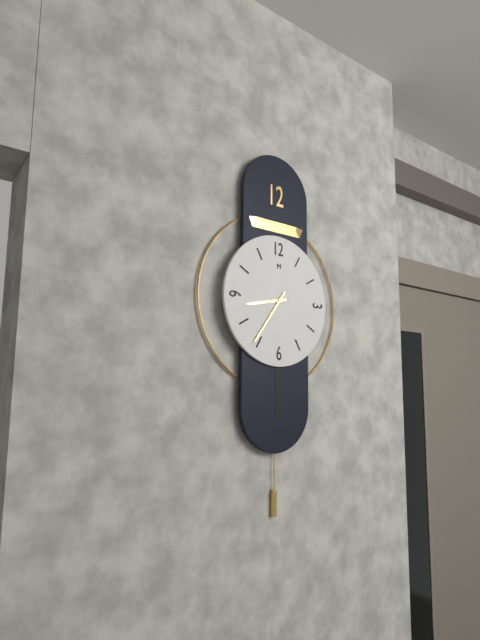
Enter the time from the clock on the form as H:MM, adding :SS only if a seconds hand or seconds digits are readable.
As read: 8:36
